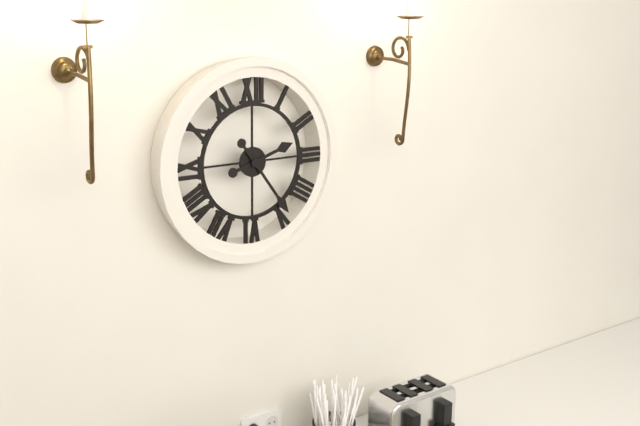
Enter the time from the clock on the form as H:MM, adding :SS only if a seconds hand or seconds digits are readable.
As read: 2:24
